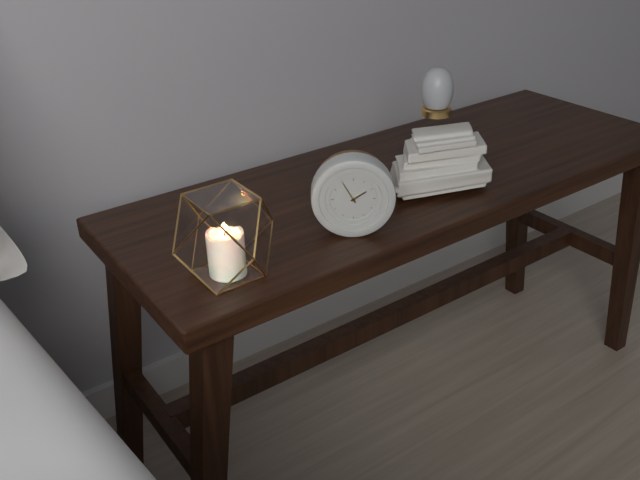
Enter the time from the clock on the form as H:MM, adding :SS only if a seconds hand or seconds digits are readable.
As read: 1:55
